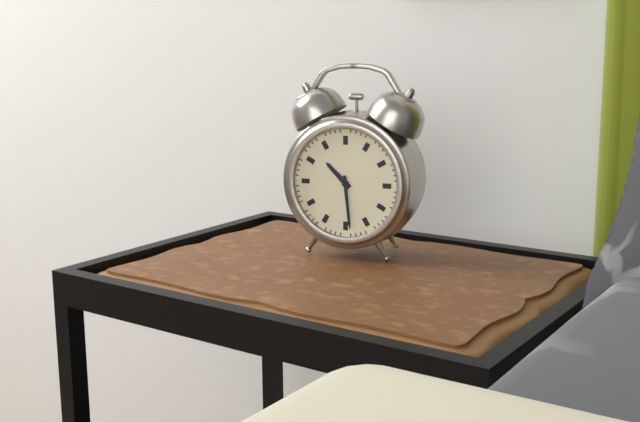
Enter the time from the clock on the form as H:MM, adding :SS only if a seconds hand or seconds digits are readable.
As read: 10:29
